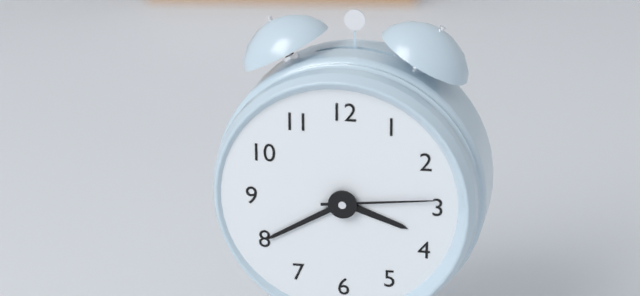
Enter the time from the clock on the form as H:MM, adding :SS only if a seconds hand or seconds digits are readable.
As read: 3:40:14
